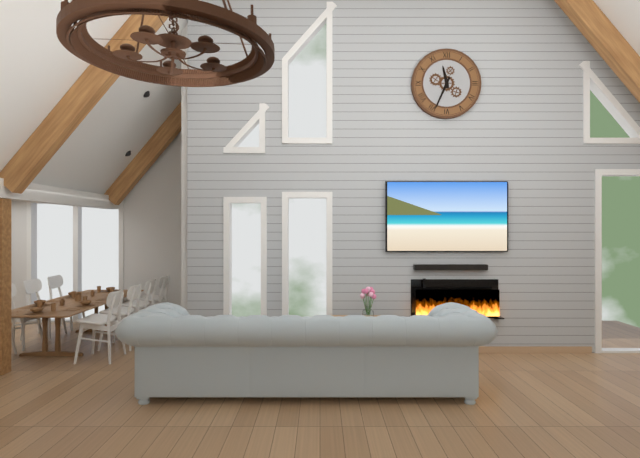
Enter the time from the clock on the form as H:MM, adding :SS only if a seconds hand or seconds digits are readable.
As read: 11:34
